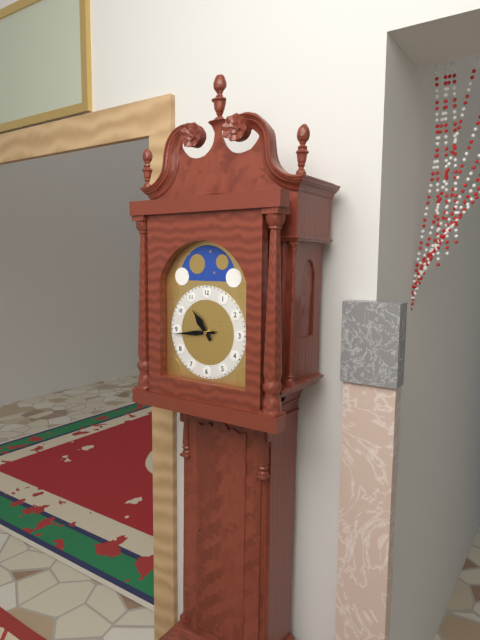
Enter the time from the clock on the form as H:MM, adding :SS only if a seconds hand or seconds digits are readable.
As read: 10:44
